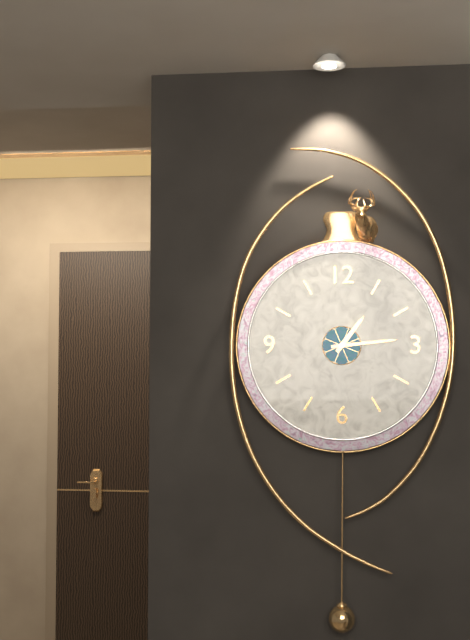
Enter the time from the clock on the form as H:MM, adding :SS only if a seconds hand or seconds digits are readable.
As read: 1:14
